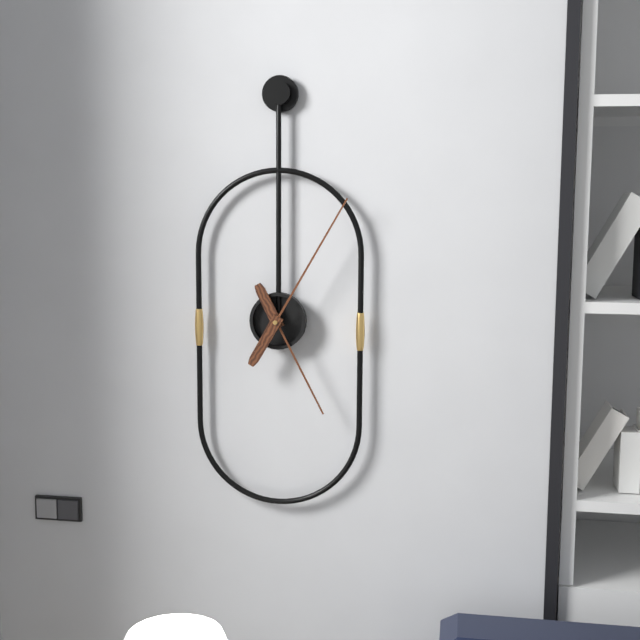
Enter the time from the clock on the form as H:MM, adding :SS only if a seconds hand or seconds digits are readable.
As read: 5:05
